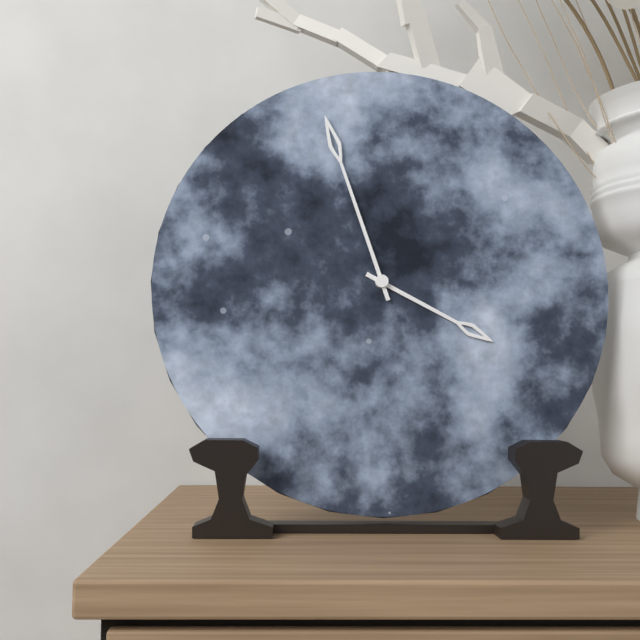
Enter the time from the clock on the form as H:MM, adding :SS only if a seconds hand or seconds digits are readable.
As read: 3:57
